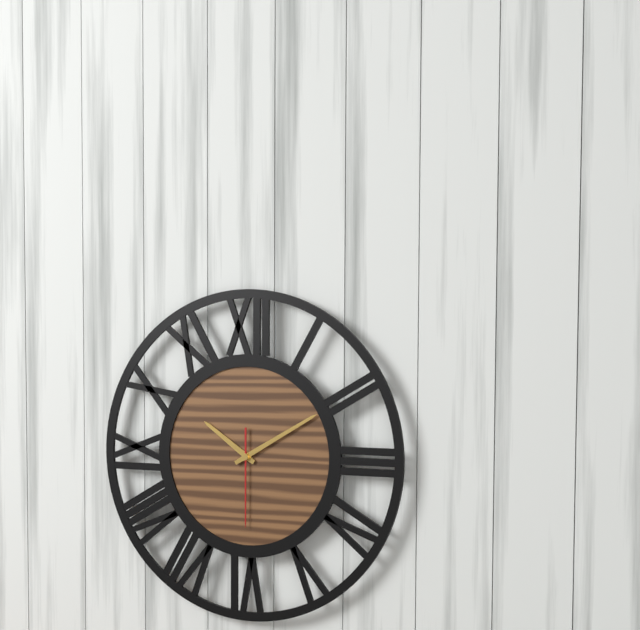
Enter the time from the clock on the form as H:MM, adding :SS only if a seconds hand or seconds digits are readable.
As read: 10:10:30
